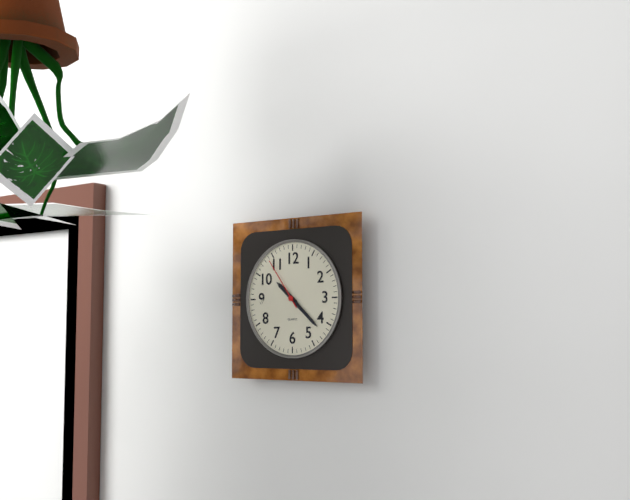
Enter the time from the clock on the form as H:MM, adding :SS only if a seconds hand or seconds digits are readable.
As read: 10:22:54
